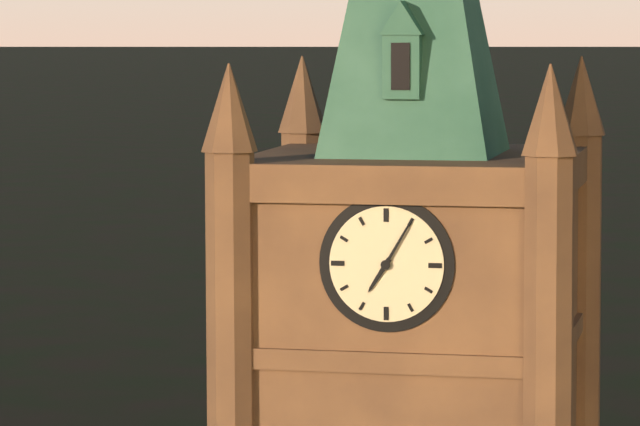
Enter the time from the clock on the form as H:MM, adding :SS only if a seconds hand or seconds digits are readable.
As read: 7:05
